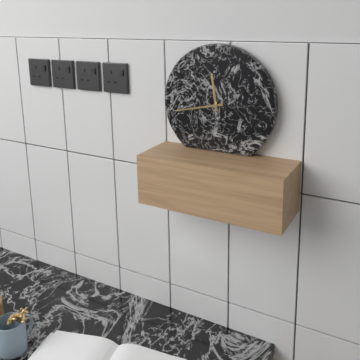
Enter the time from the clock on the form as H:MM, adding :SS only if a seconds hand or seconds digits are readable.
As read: 11:43
